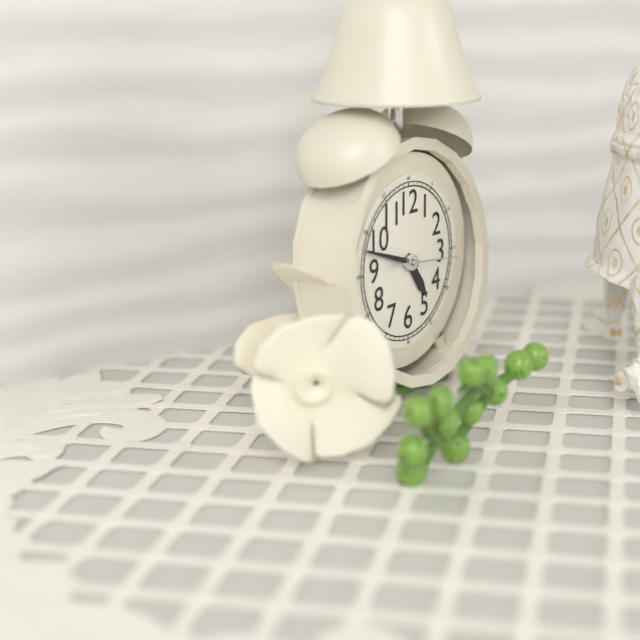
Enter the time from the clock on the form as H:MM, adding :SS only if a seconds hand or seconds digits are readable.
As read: 4:48:16
